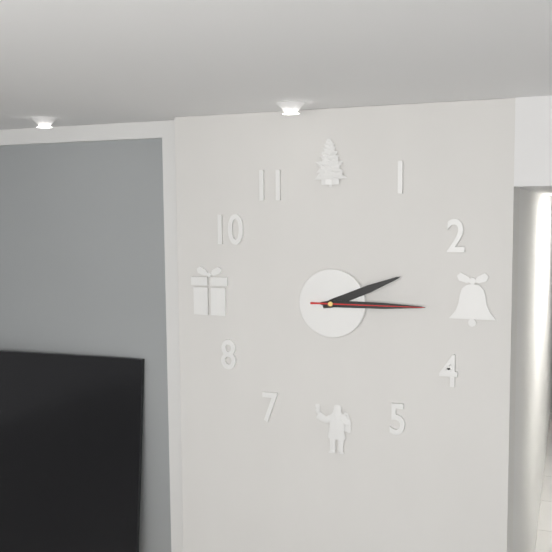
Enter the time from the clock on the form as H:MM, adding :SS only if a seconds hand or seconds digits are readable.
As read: 2:15:15
